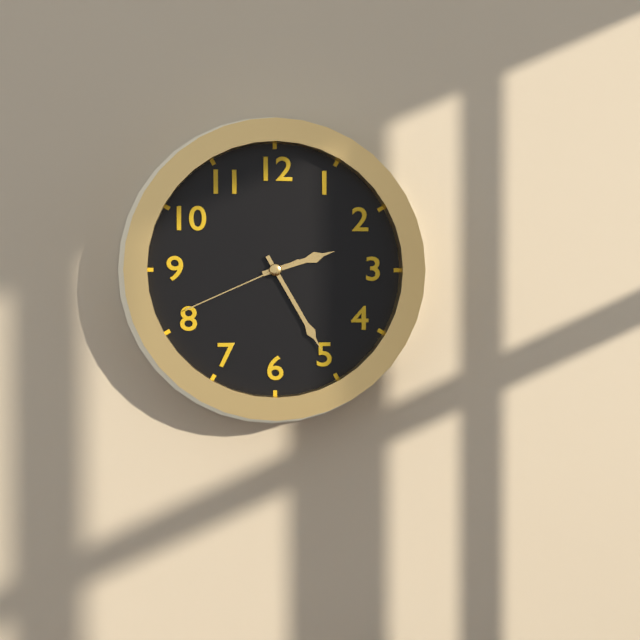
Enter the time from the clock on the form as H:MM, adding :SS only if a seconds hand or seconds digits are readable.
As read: 2:25:41
